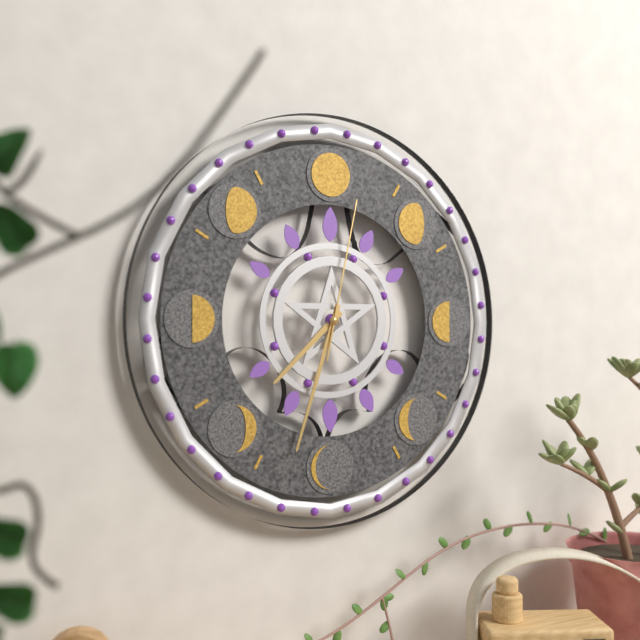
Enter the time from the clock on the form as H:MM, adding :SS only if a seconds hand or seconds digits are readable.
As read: 7:33:02
